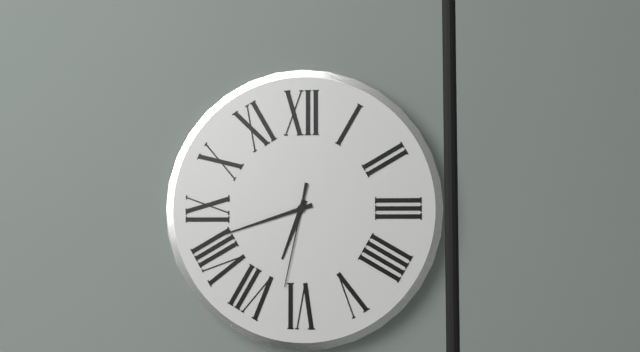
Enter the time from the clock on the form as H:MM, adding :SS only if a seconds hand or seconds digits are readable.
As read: 6:42:32
